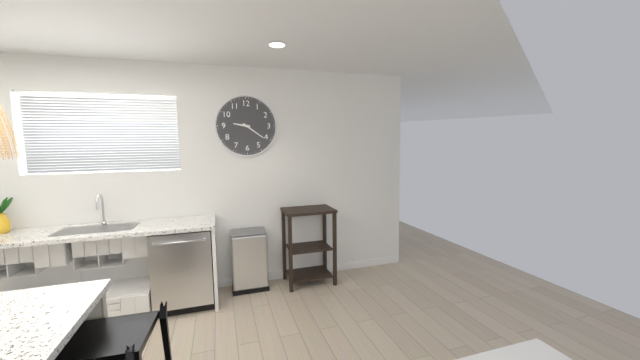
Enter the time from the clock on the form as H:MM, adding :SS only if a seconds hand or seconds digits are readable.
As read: 9:21
